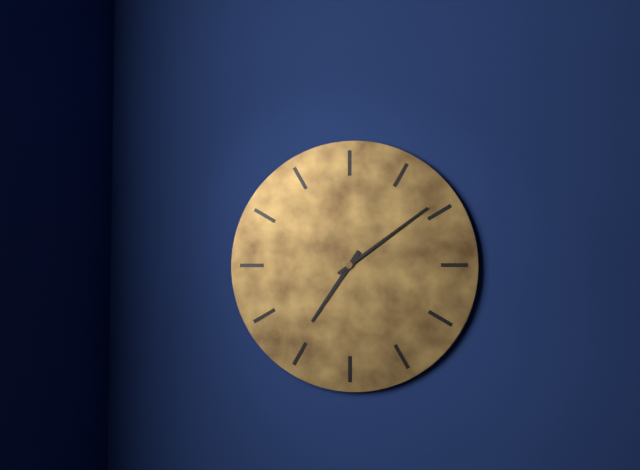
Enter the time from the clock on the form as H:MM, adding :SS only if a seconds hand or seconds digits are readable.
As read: 7:09
